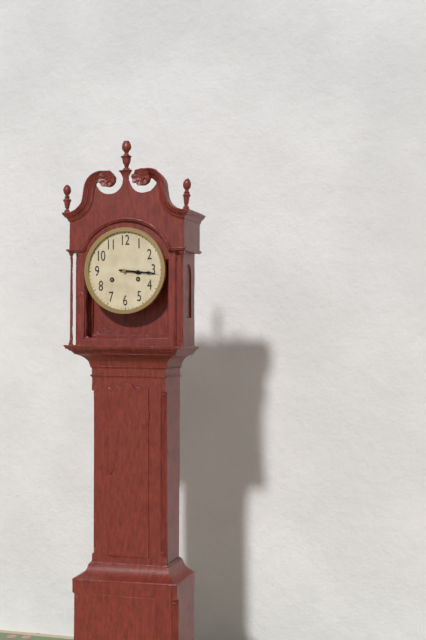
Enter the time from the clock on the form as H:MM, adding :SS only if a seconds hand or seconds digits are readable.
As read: 3:16
